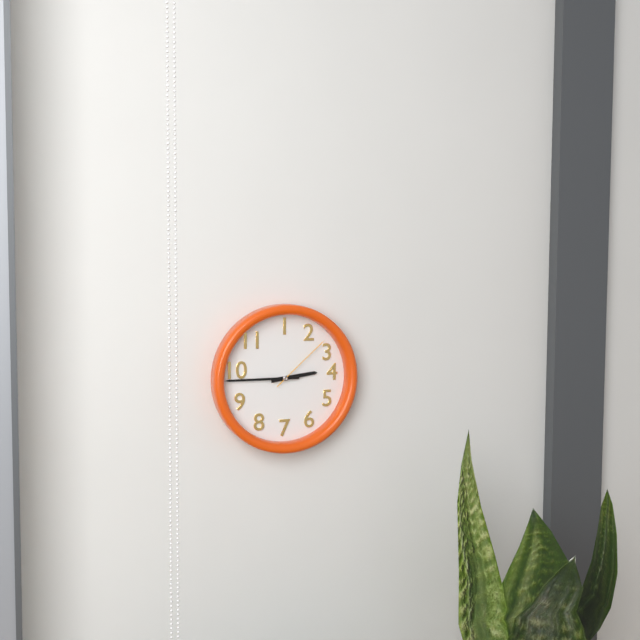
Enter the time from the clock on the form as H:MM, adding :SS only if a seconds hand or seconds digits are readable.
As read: 2:45:08
